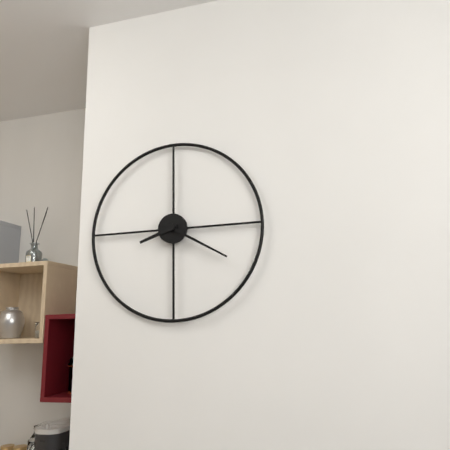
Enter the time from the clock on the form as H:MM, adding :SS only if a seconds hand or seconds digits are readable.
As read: 8:20
